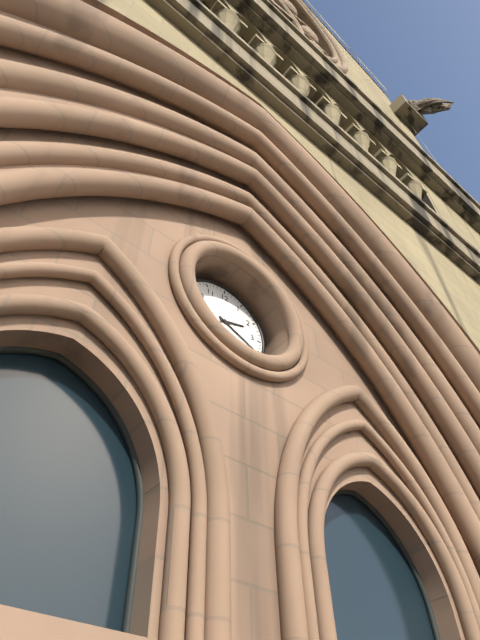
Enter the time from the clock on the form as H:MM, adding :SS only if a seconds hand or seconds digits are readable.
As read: 2:19
